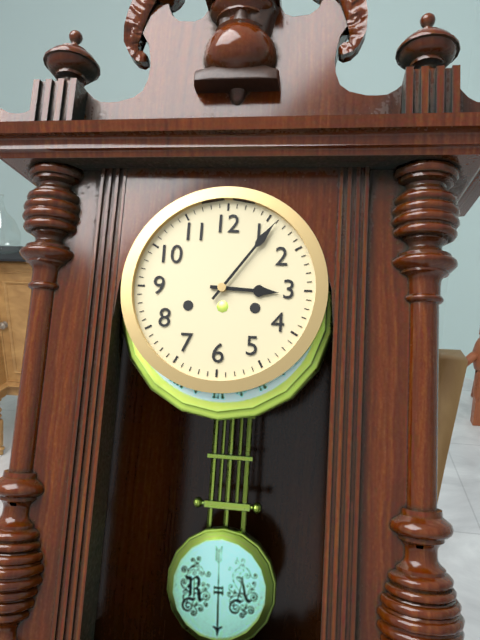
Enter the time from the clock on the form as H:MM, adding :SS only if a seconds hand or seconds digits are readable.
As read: 3:06
